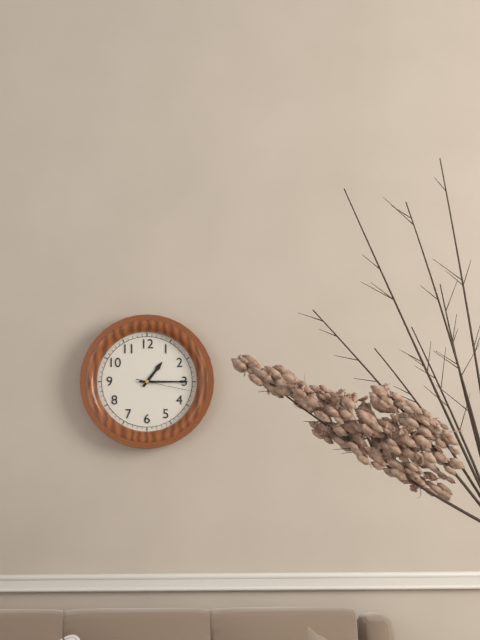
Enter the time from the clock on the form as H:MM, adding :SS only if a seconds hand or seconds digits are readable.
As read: 1:15:17
